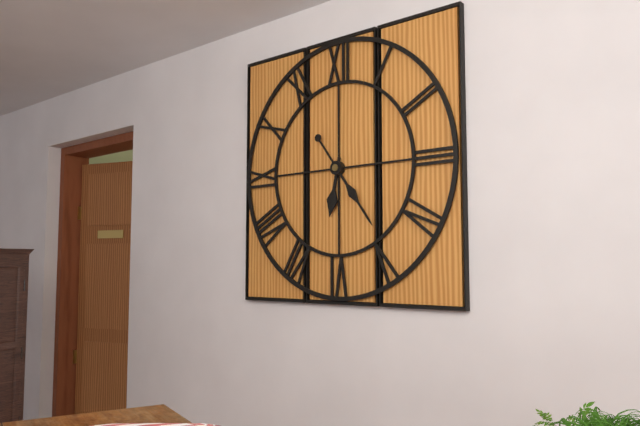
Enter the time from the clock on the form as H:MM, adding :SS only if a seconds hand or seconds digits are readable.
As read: 6:24
